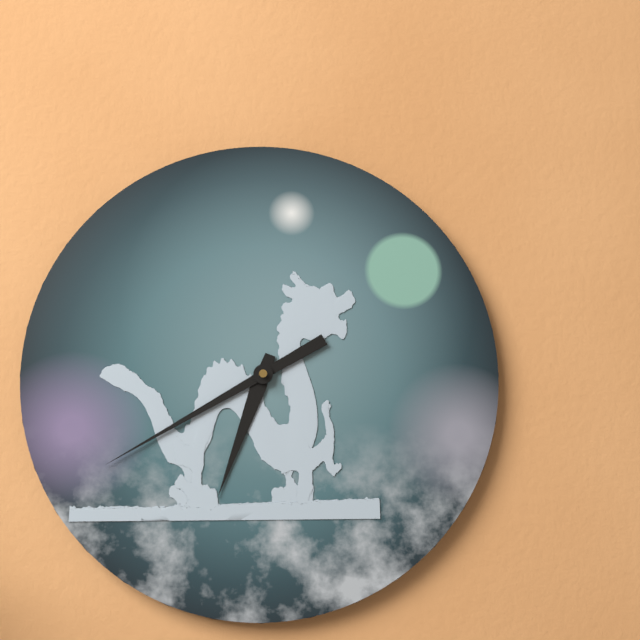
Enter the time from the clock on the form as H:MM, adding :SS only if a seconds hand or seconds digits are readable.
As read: 6:40
